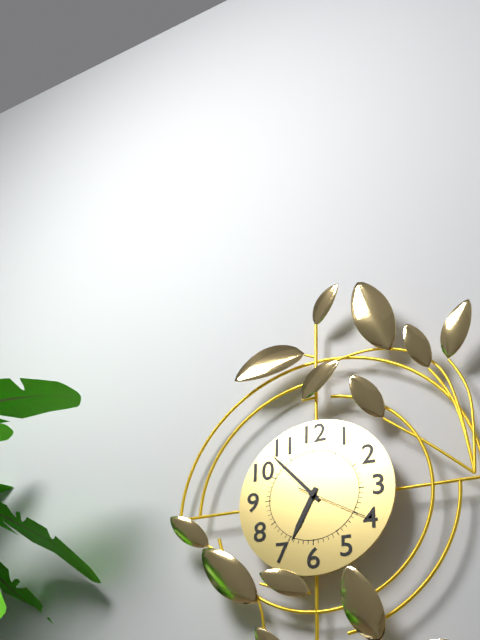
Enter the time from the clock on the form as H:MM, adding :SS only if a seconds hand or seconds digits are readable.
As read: 6:53:20
